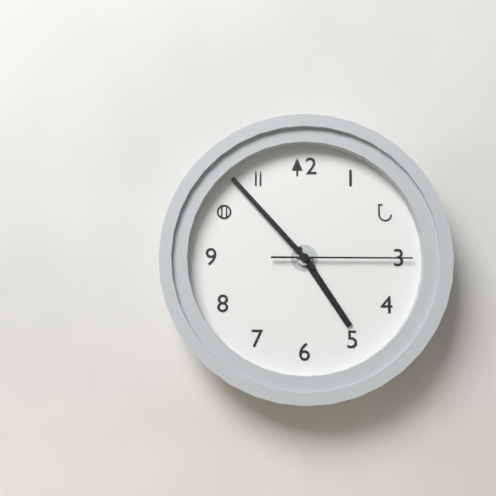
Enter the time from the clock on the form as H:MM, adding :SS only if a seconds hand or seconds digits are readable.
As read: 4:53:15
